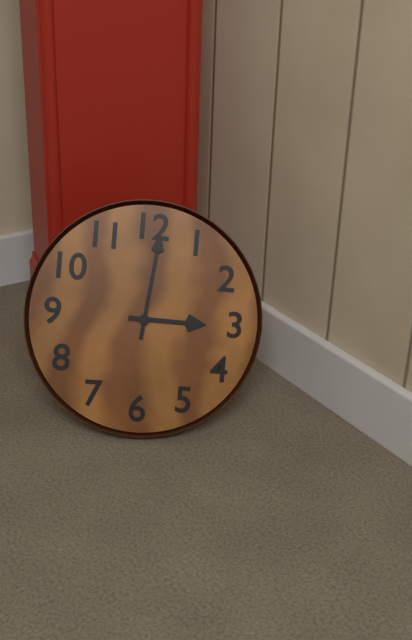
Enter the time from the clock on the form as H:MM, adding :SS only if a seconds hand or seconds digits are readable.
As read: 3:01
